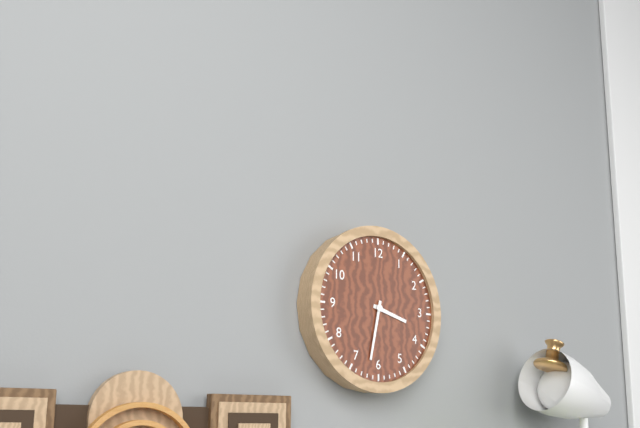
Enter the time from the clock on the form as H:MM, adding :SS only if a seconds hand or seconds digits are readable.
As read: 3:32
